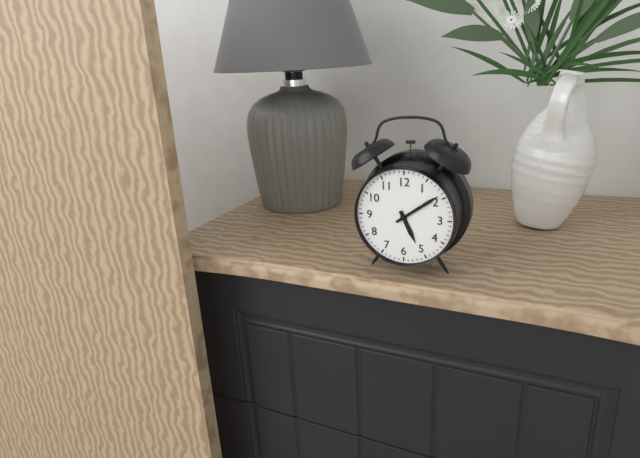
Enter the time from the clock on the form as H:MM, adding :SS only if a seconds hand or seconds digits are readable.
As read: 5:09
